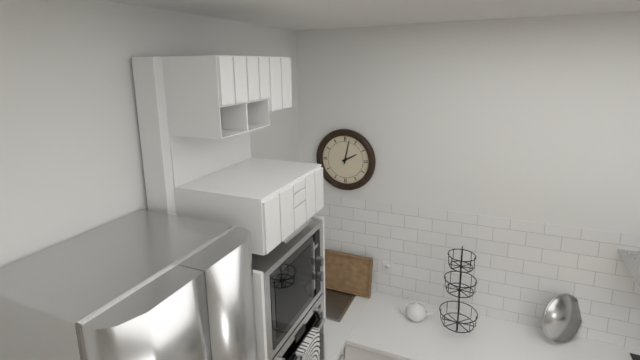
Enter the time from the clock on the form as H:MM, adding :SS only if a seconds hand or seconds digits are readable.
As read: 2:02
